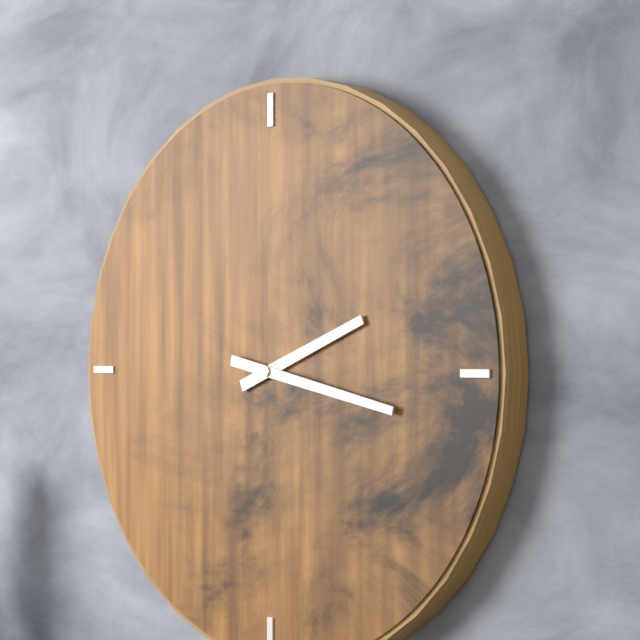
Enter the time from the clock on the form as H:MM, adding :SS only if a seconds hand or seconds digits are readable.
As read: 2:17
